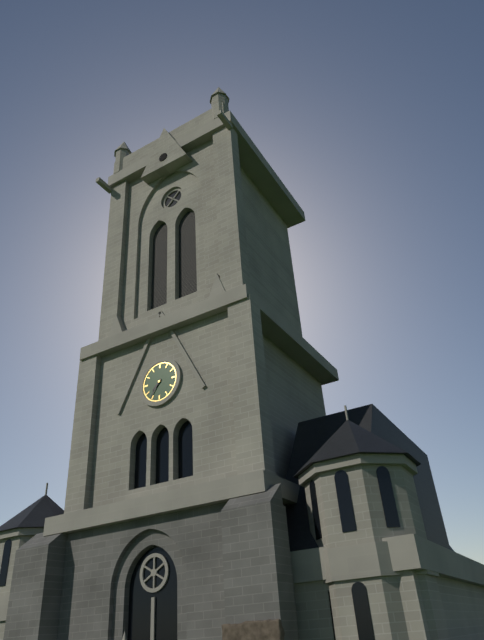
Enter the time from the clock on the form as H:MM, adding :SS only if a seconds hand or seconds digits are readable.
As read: 7:36
